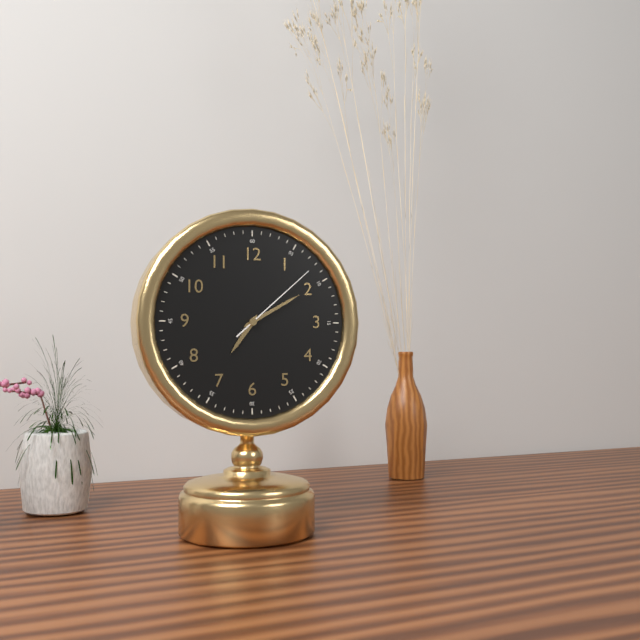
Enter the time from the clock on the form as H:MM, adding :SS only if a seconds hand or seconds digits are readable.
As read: 7:10:08
